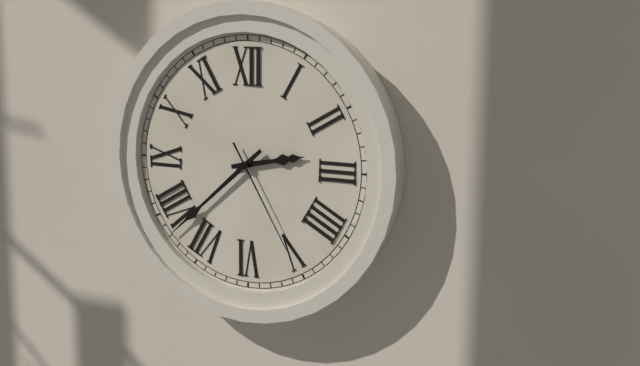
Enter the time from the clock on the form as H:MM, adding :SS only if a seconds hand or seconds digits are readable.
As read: 2:38:25
